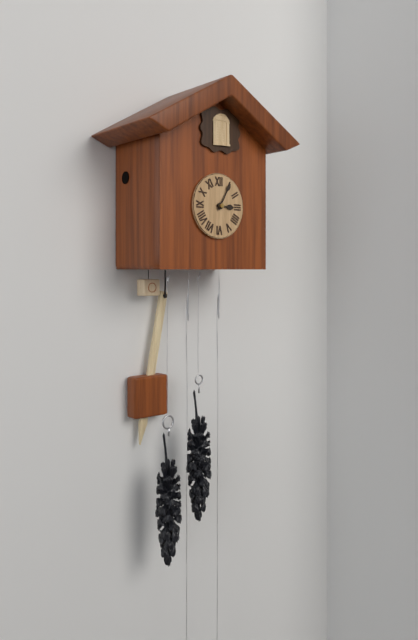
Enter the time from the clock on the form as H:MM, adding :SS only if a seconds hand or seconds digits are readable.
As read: 3:05
